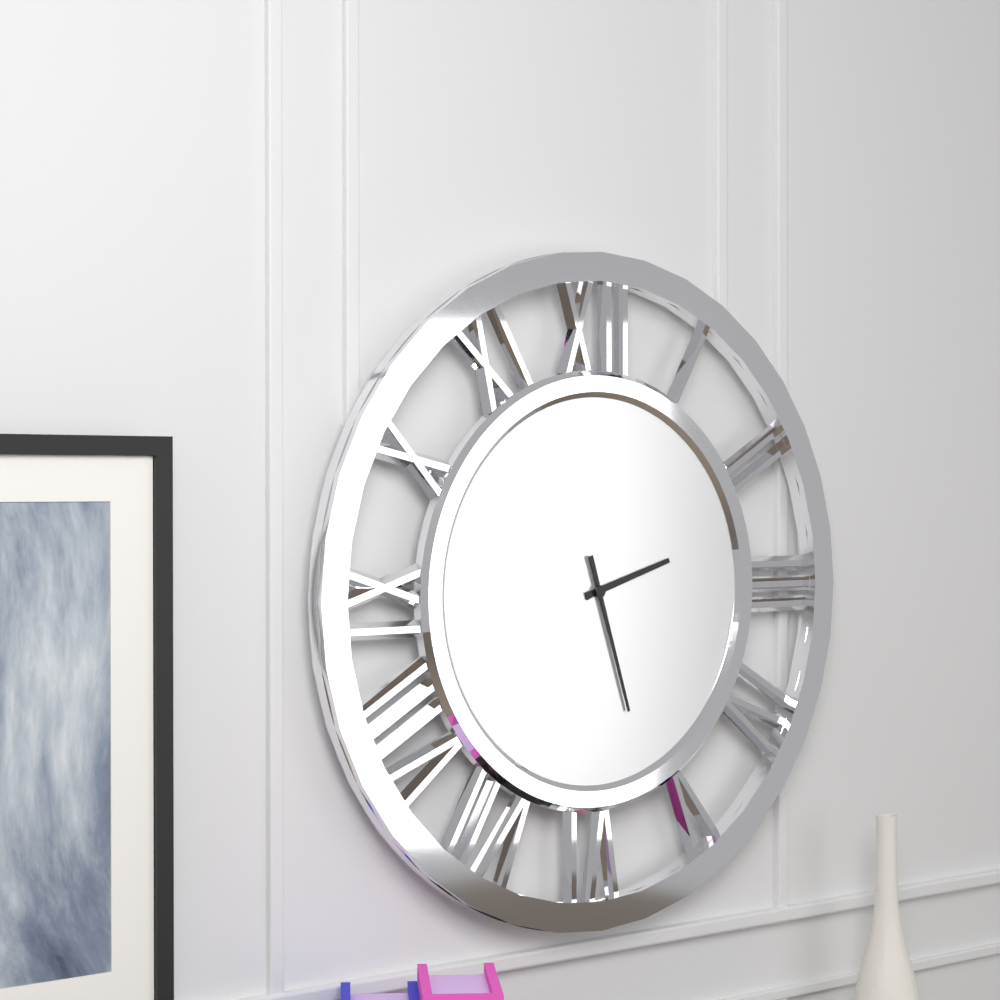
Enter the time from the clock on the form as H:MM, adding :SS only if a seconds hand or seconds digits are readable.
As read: 2:27
